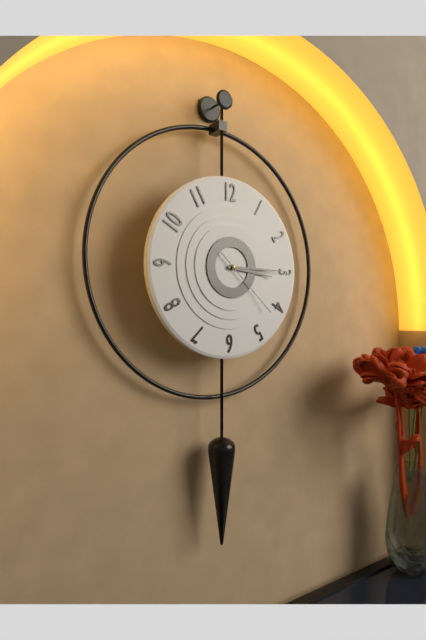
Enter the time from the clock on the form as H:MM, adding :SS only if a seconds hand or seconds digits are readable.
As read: 3:15:22
